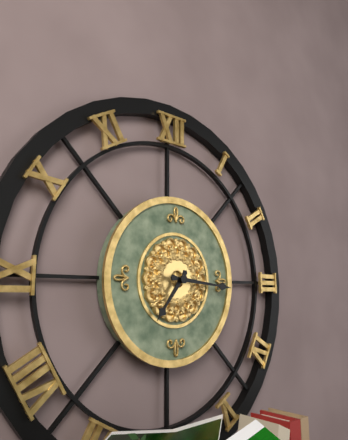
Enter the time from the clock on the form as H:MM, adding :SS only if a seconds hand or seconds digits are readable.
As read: 7:16
